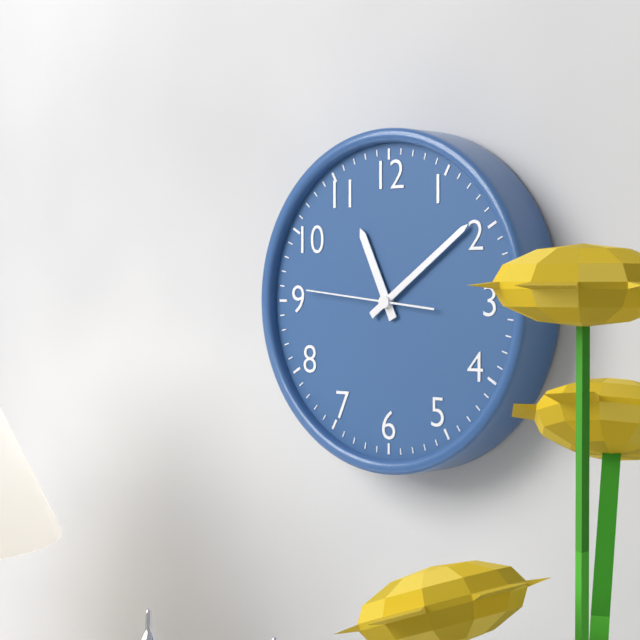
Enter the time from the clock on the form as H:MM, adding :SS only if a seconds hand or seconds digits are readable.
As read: 11:09:46
